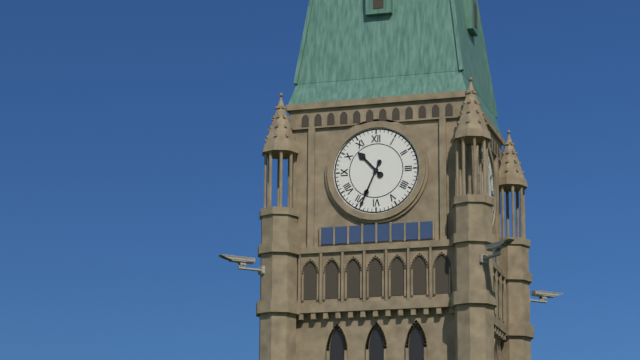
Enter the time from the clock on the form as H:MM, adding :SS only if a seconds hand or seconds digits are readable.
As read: 10:34
